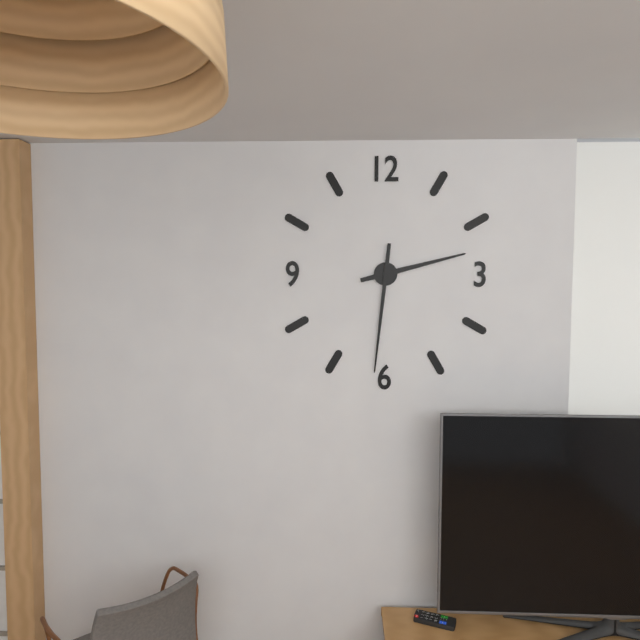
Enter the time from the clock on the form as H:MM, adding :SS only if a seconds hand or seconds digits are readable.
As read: 2:31
